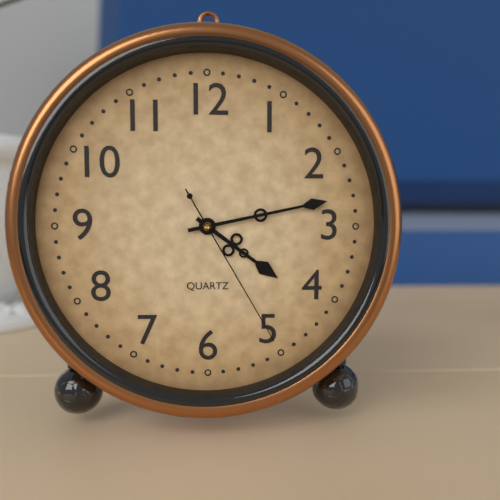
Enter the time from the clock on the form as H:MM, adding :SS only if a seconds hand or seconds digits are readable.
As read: 4:13:25
